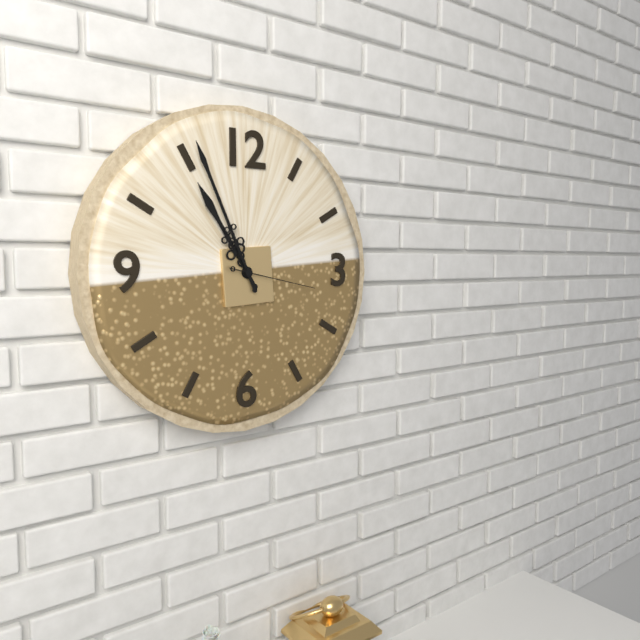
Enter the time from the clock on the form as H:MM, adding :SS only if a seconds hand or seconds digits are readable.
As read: 10:56:17
